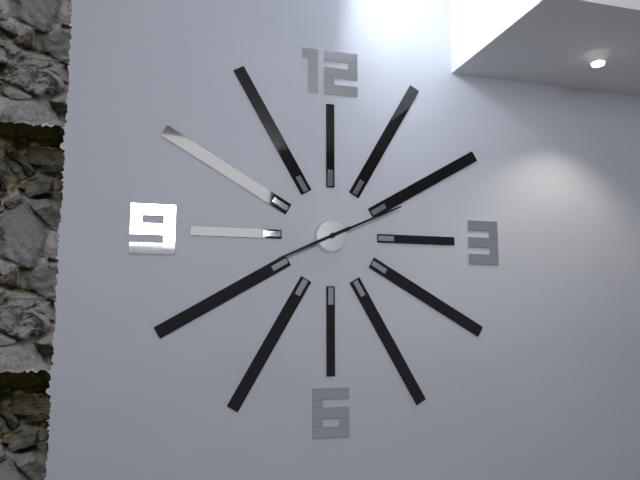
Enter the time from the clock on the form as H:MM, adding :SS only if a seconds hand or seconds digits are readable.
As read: 8:11
